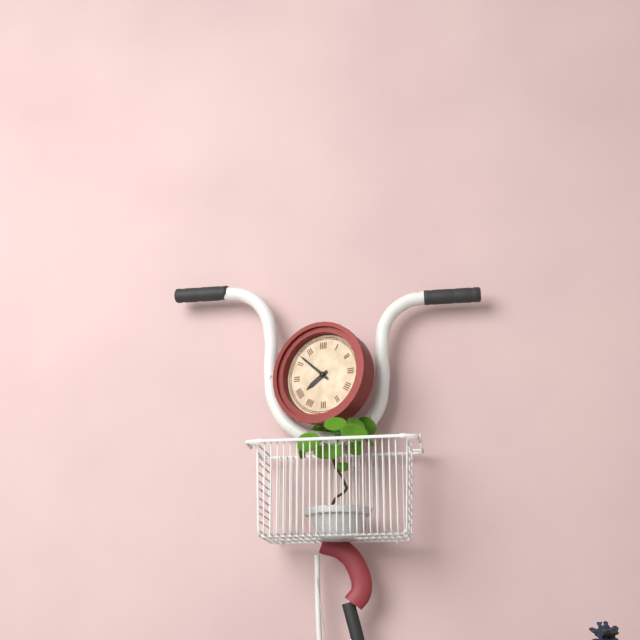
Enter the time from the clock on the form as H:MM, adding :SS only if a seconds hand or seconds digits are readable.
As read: 7:52
